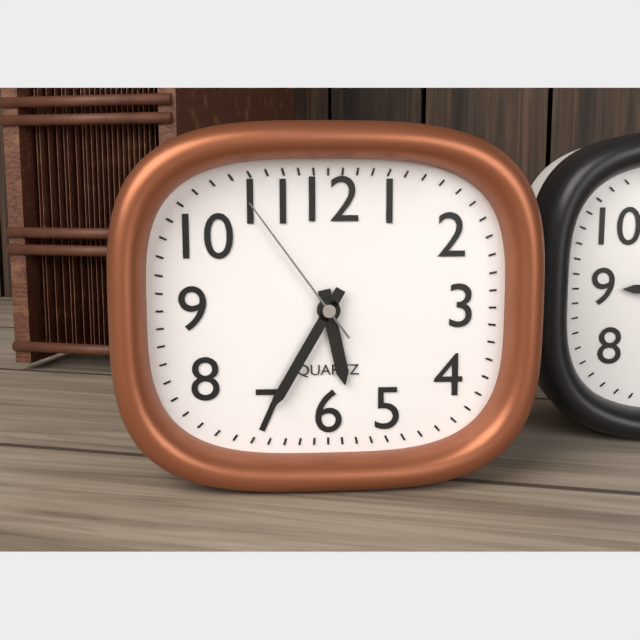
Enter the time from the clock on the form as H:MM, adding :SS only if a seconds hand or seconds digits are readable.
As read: 5:35:54
